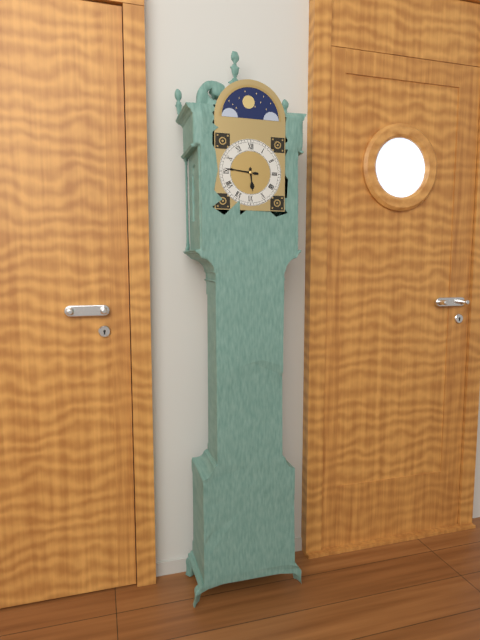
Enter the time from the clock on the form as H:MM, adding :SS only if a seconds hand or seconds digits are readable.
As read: 5:46
